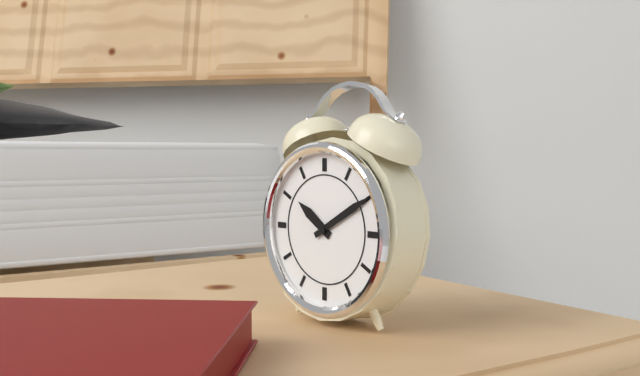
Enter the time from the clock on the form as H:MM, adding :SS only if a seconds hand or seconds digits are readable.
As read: 10:10
